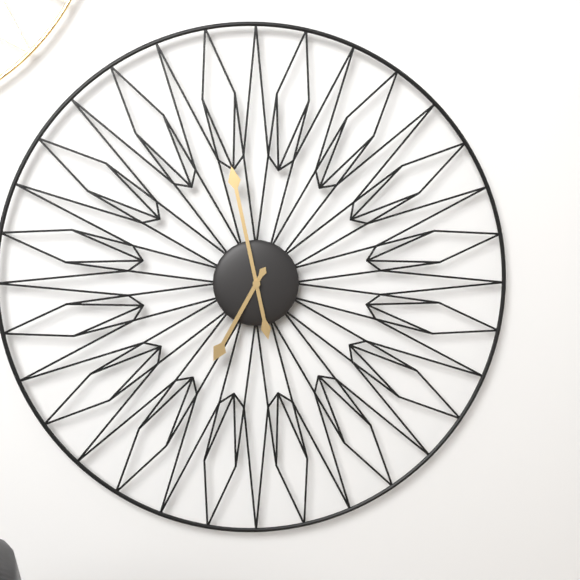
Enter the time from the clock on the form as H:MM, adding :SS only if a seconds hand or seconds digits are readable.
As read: 6:58
